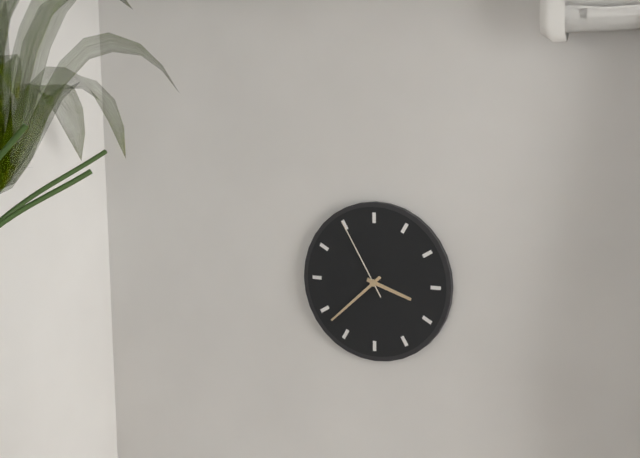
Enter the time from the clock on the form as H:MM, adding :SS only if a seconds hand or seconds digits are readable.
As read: 3:38:55
